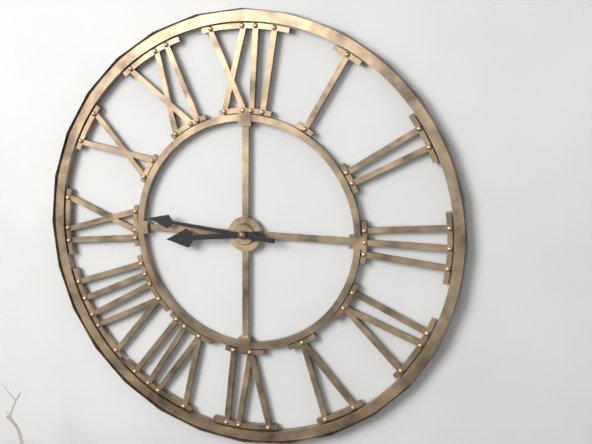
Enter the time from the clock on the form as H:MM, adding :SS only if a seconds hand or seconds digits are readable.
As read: 8:46
